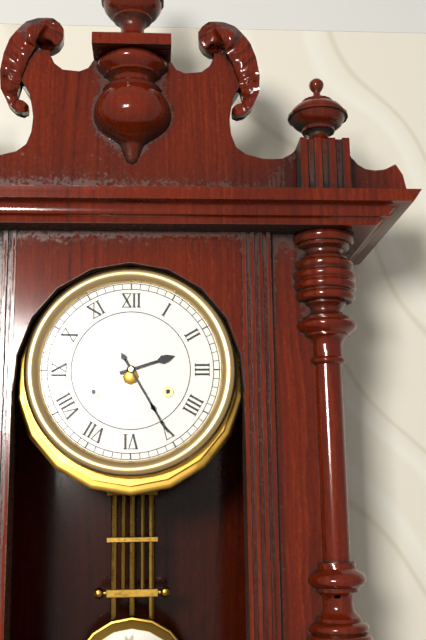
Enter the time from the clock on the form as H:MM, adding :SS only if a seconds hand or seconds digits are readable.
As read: 2:25
